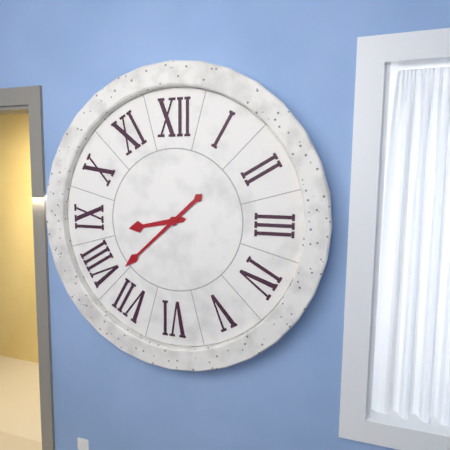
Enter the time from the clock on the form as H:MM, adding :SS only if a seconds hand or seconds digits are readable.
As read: 8:38
